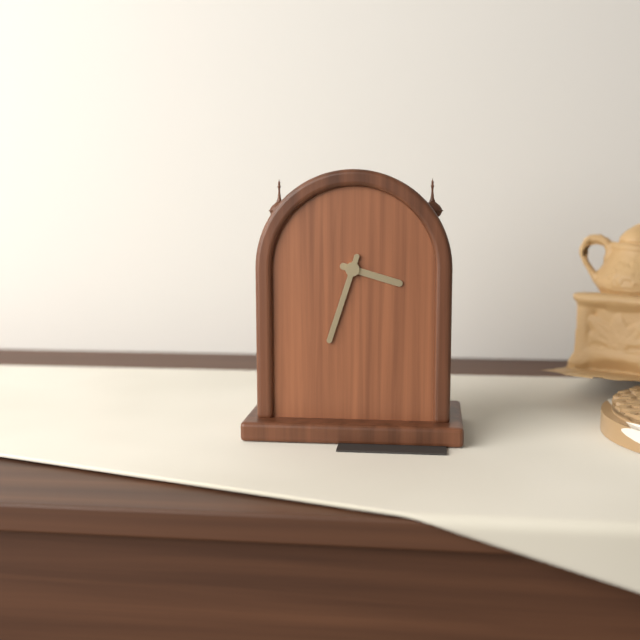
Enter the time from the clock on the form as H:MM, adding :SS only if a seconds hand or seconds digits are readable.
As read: 3:33
